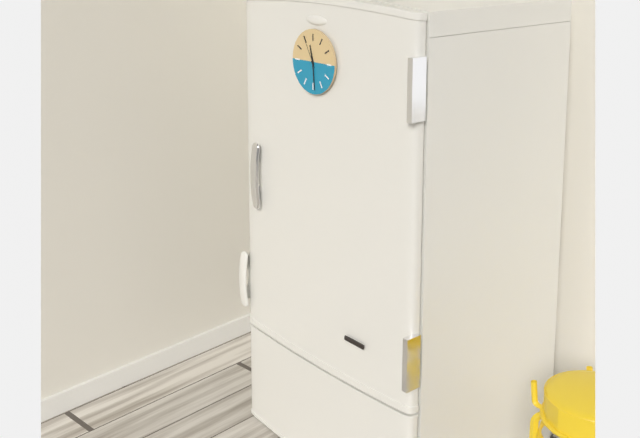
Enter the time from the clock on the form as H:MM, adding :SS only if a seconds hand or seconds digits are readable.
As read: 11:29
